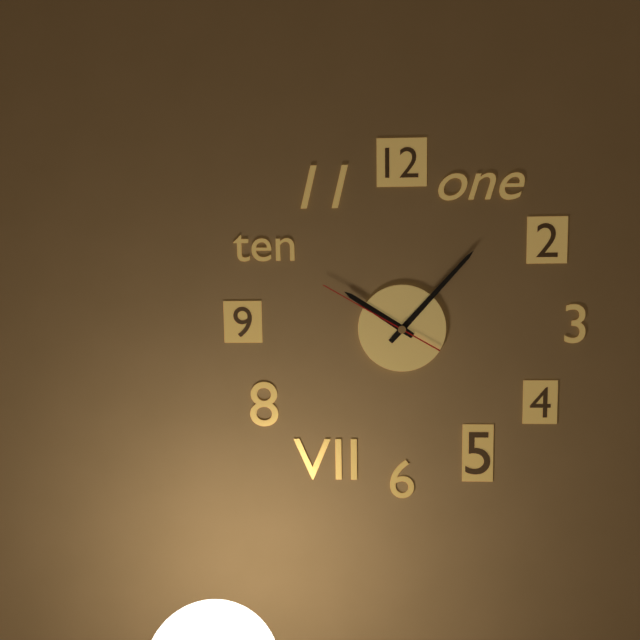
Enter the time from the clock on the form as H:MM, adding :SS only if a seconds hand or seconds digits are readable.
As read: 10:07:50
